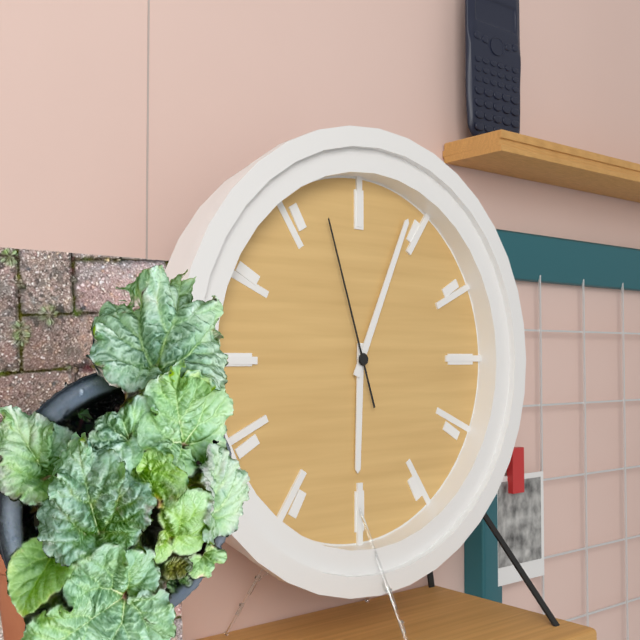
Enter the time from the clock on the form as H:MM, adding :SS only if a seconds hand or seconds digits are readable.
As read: 6:04:57
